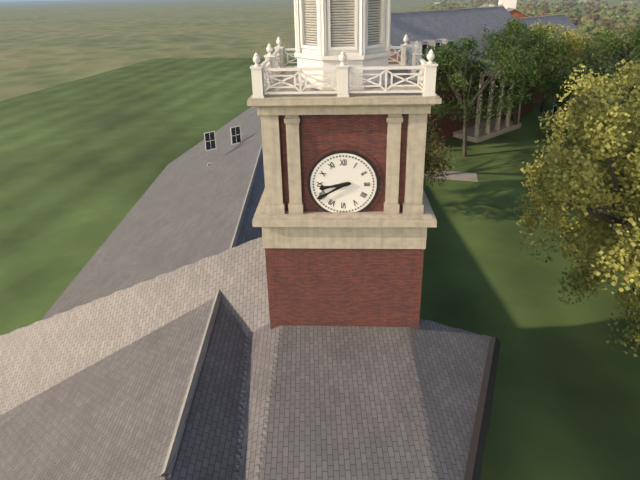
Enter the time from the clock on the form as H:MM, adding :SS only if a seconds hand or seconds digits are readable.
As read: 8:40
